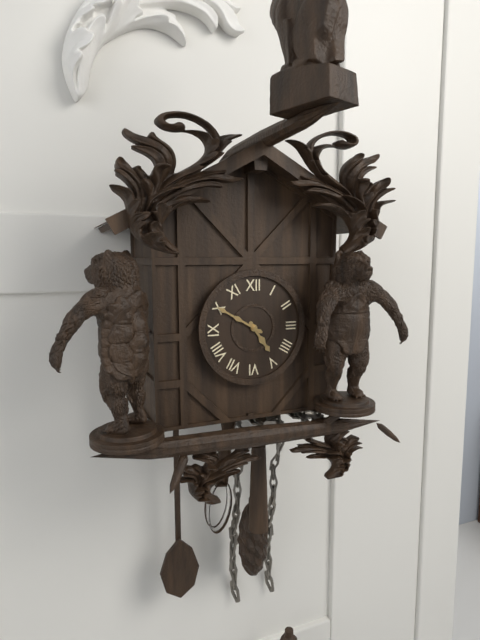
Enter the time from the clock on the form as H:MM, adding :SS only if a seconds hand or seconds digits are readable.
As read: 4:50
